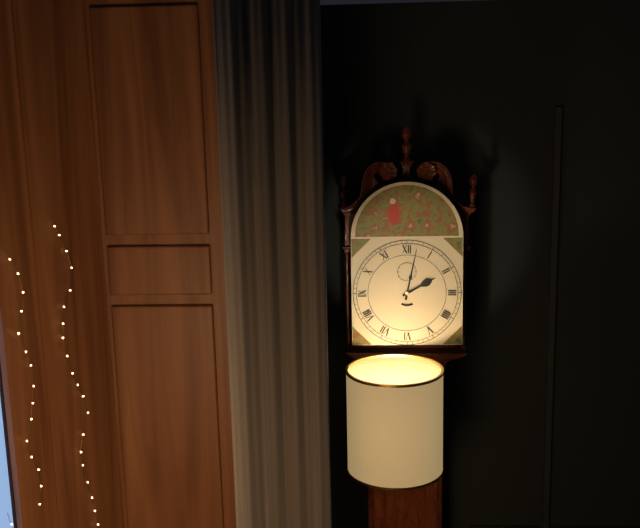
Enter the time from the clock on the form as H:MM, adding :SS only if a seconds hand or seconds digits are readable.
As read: 2:02
